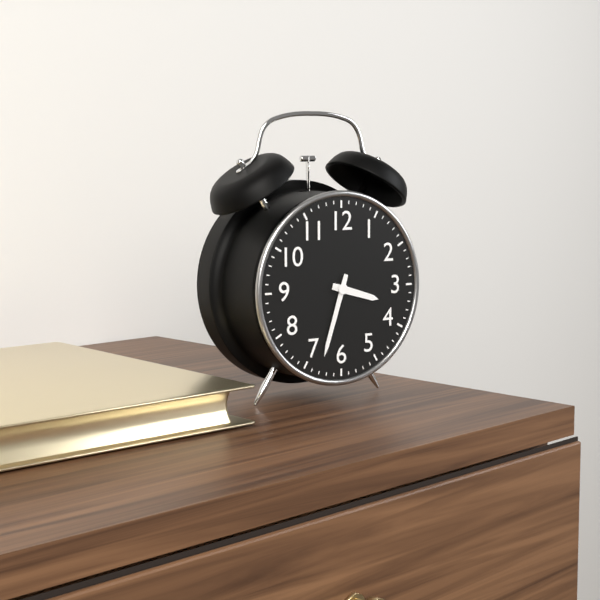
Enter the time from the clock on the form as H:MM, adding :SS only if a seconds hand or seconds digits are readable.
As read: 3:33
